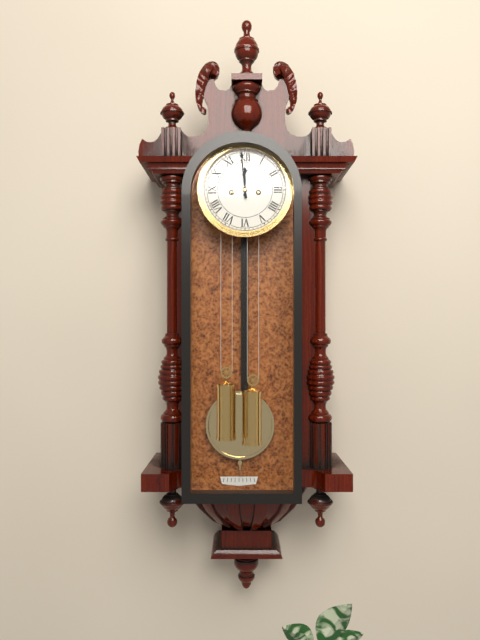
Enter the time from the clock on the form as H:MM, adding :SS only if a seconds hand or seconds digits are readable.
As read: 11:59
